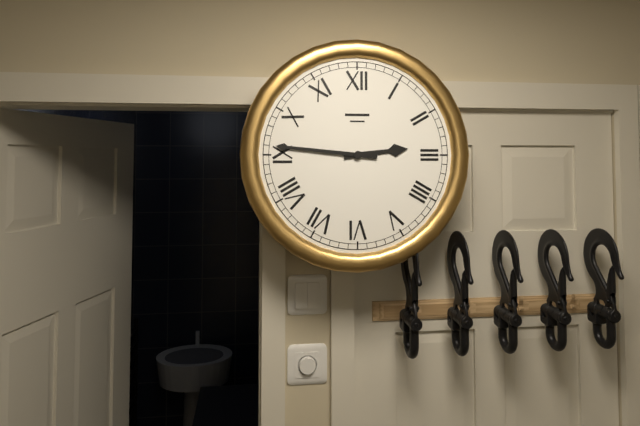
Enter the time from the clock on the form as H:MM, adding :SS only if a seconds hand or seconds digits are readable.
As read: 2:46
